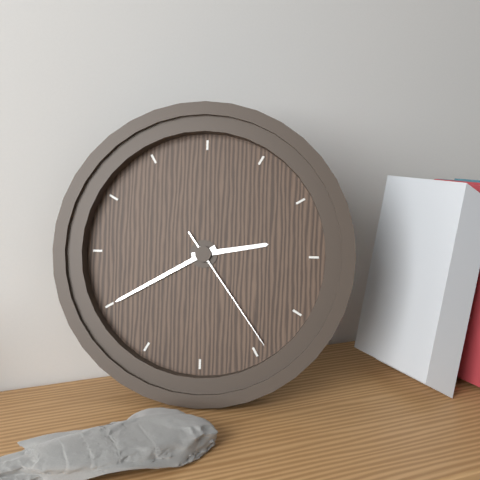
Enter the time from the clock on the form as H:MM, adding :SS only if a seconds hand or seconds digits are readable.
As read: 2:40:24
